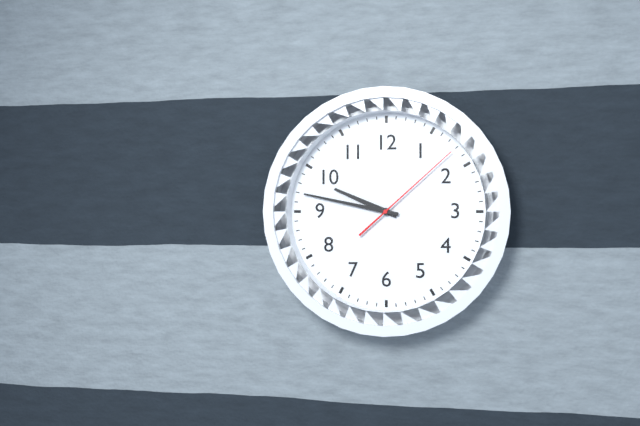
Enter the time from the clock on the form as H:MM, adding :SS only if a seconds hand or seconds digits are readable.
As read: 9:47:08
